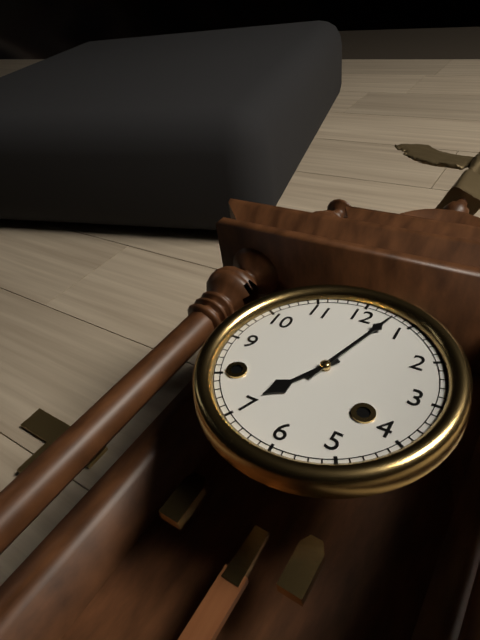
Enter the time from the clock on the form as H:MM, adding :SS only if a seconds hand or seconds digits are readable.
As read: 7:03
